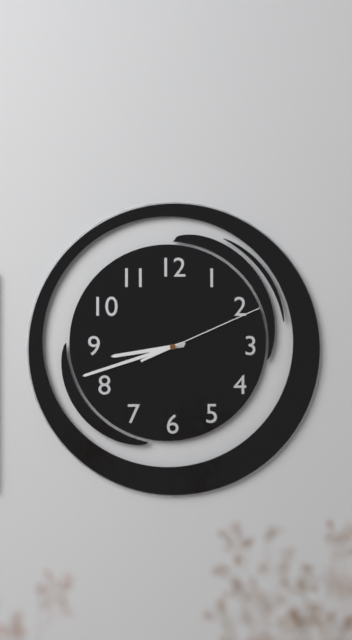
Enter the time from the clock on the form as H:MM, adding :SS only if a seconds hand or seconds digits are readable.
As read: 8:42:11
